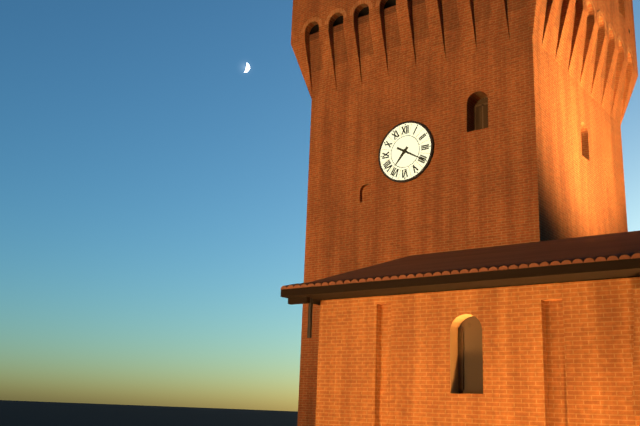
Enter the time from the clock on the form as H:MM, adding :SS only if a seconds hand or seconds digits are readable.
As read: 7:20
